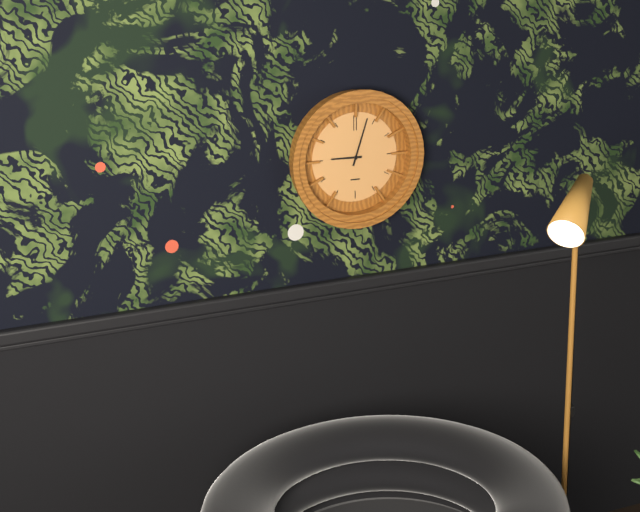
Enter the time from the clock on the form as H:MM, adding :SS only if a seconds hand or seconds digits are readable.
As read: 9:03
